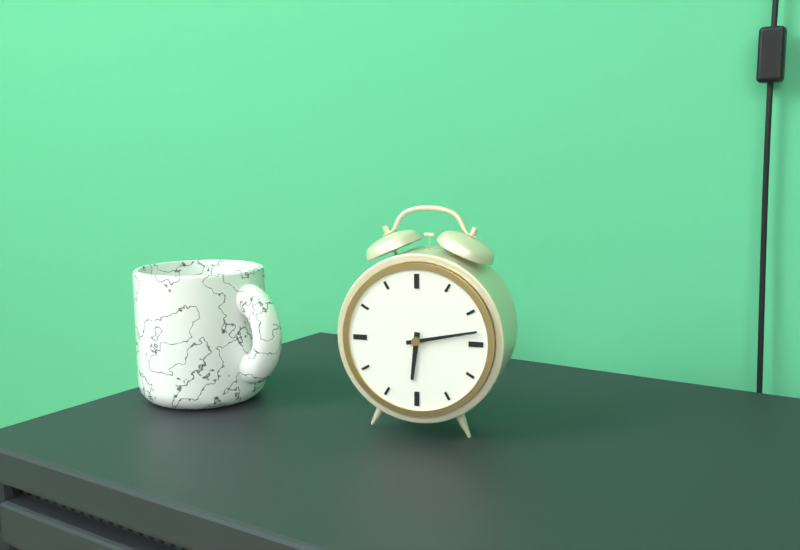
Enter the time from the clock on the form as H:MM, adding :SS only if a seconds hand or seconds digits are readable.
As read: 6:13
